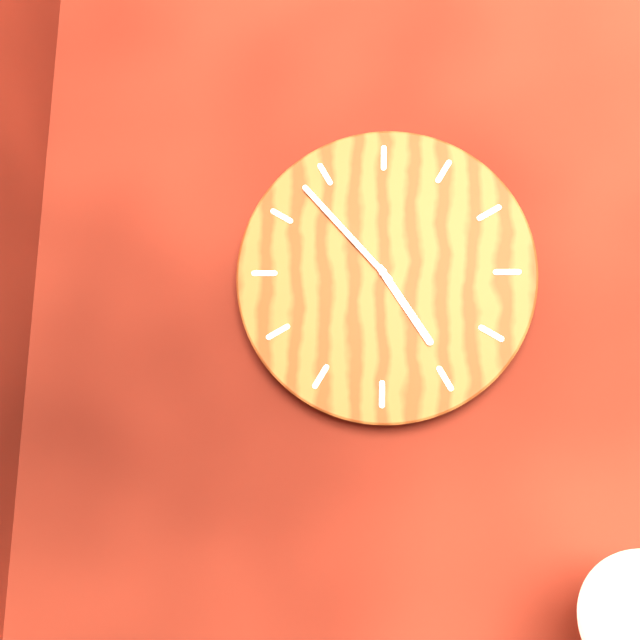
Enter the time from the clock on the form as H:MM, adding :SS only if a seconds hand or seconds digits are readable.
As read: 4:53
